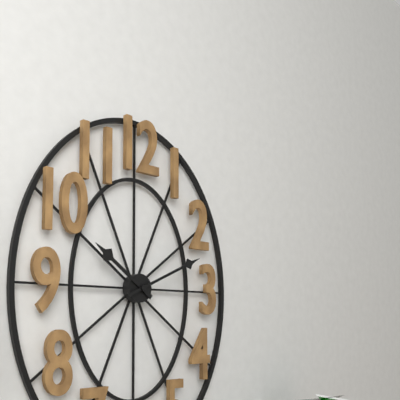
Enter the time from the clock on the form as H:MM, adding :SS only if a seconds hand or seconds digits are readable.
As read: 10:11
